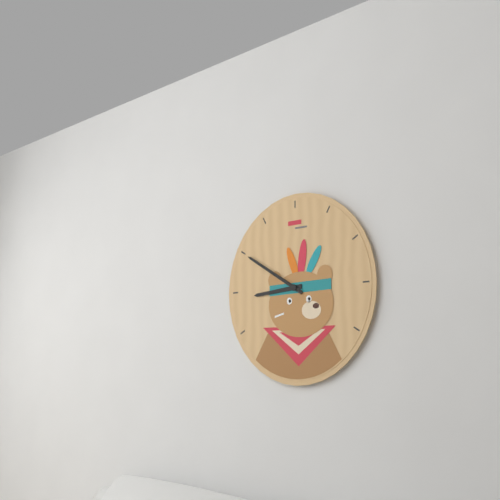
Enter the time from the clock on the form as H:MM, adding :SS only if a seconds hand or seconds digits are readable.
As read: 8:50
